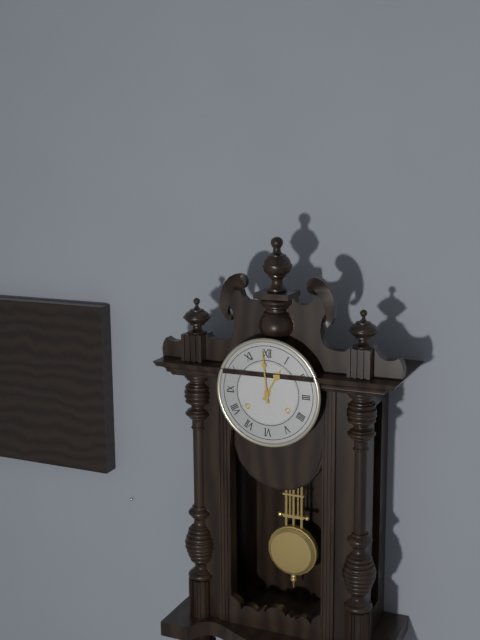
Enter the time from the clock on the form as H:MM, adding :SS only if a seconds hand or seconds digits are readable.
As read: 12:59
